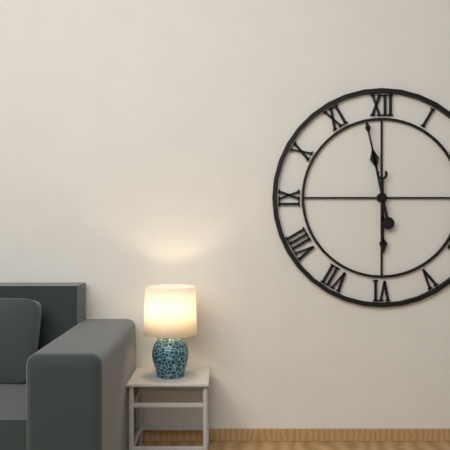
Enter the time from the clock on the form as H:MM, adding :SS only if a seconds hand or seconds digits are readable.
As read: 5:58
